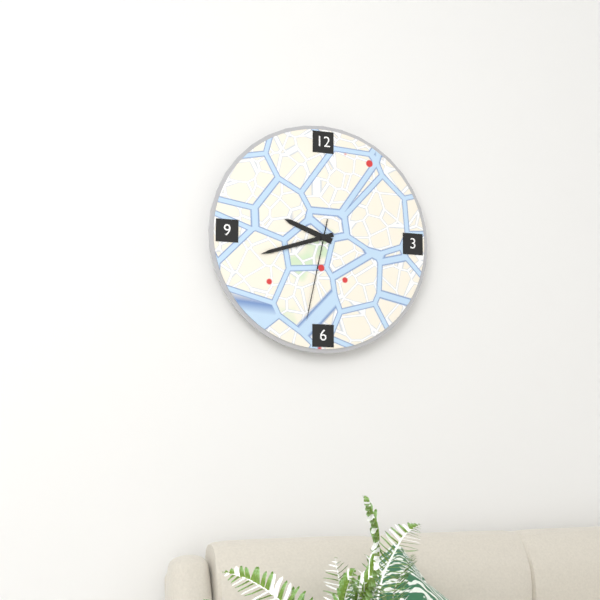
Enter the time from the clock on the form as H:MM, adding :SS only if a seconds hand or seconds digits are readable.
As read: 9:42:32
